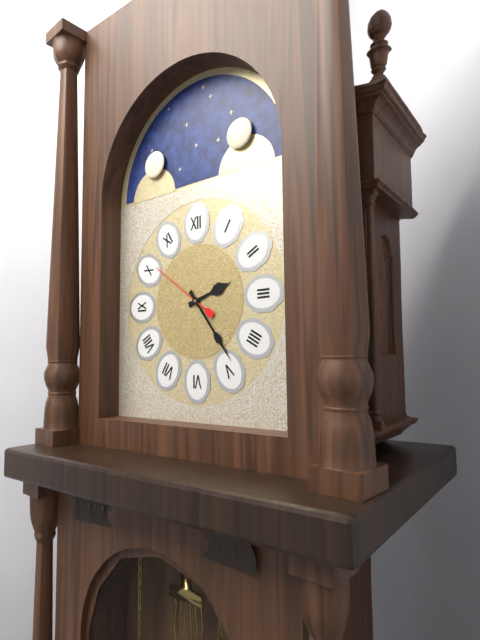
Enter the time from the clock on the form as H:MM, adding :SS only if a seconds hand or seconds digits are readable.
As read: 2:24:51
